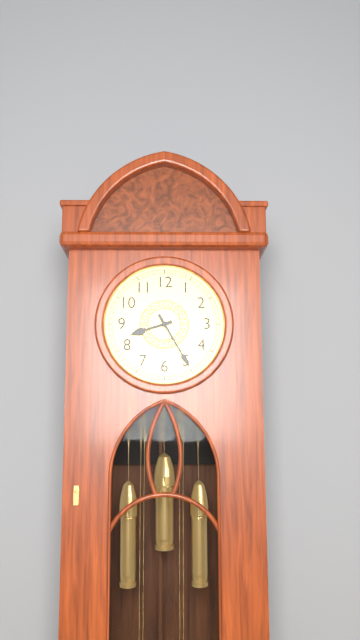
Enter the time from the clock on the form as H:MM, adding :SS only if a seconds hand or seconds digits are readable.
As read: 8:25
